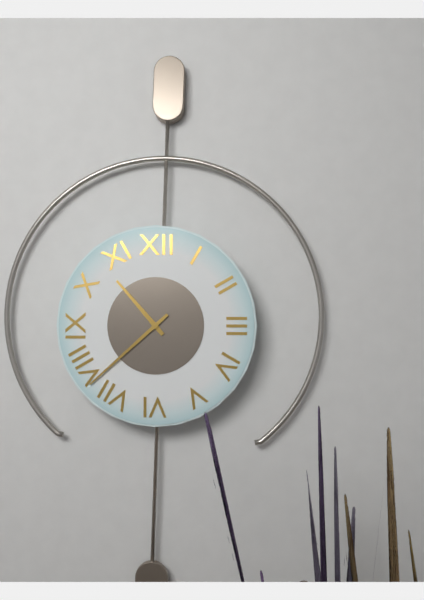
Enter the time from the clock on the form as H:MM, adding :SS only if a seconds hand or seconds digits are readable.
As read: 10:38
